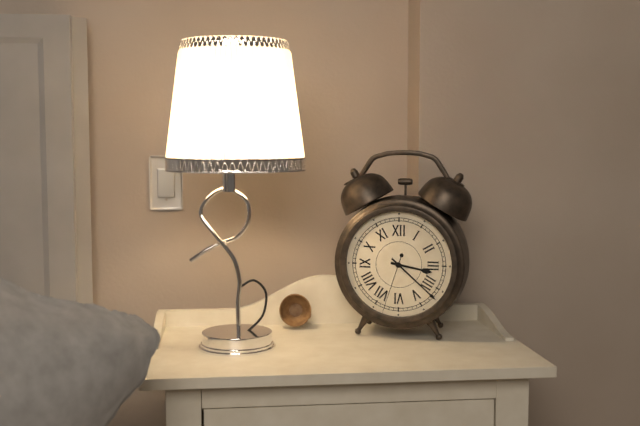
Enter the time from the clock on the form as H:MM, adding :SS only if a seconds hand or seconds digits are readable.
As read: 3:22:33
